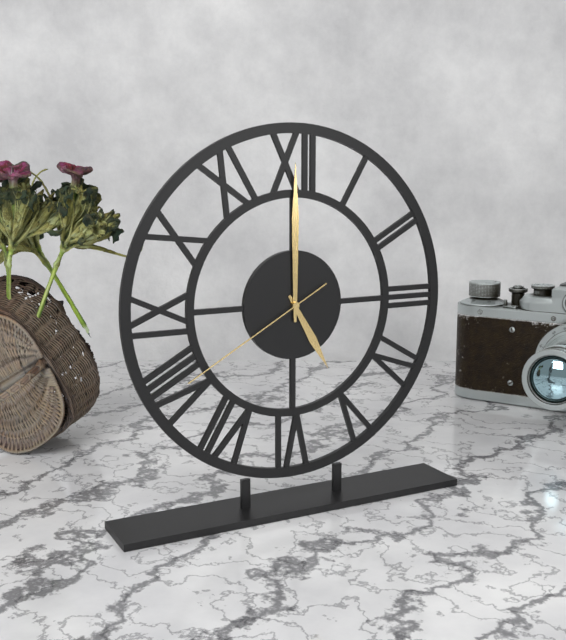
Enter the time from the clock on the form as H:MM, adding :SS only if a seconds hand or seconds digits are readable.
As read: 5:00:40
